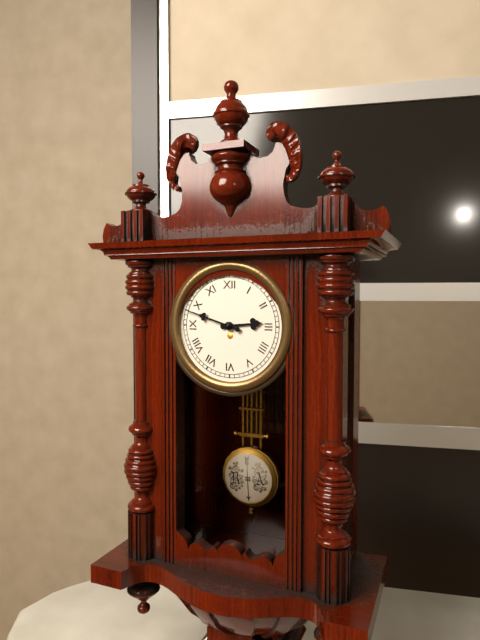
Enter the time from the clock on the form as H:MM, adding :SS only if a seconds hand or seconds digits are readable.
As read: 2:48
